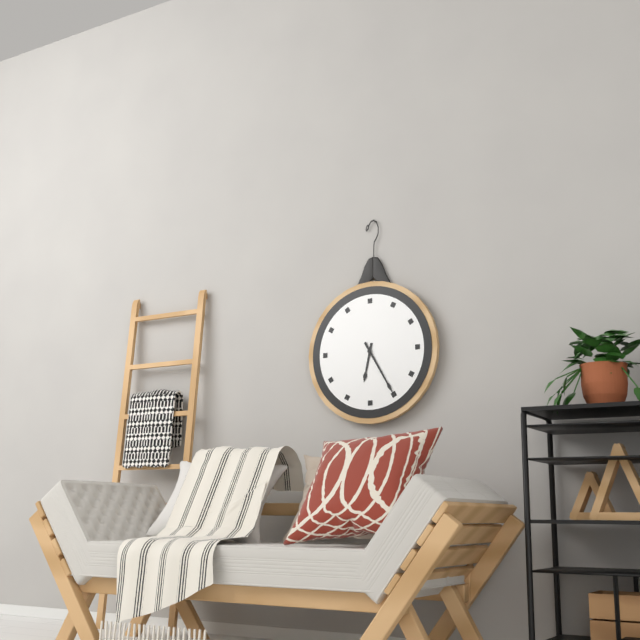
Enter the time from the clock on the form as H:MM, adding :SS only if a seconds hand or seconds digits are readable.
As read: 6:25
